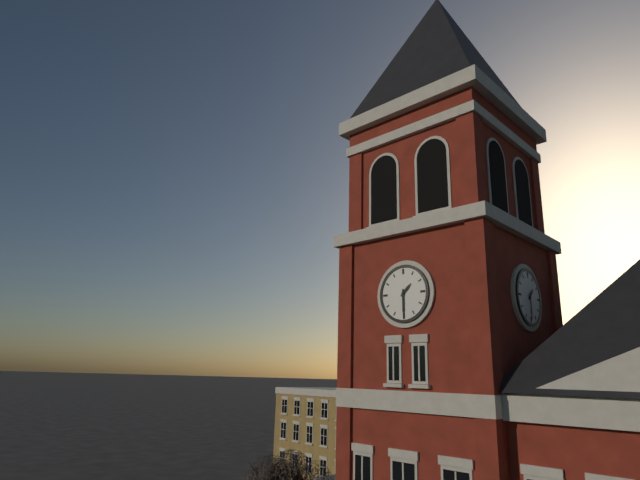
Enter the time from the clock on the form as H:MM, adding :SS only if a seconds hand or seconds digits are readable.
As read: 1:30
